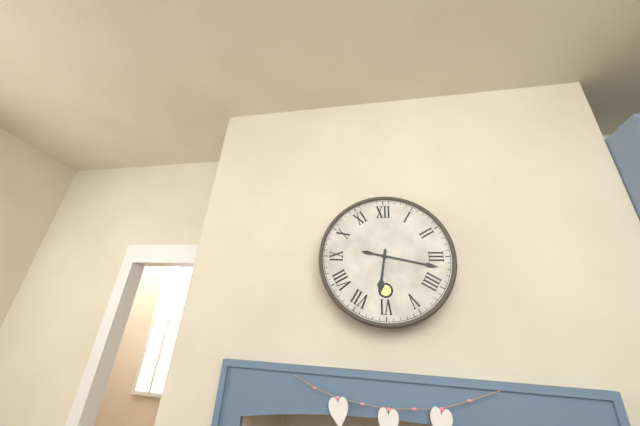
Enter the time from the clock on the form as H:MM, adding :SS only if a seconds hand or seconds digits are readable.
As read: 6:17
